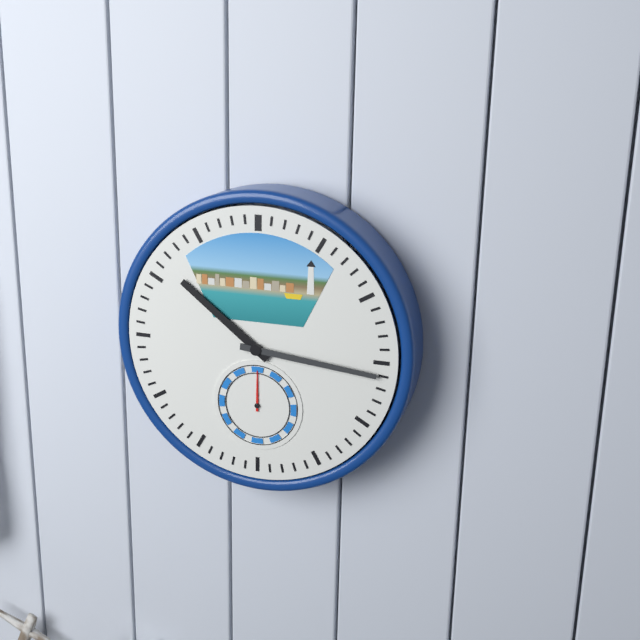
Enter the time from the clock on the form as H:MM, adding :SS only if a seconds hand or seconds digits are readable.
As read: 10:16
